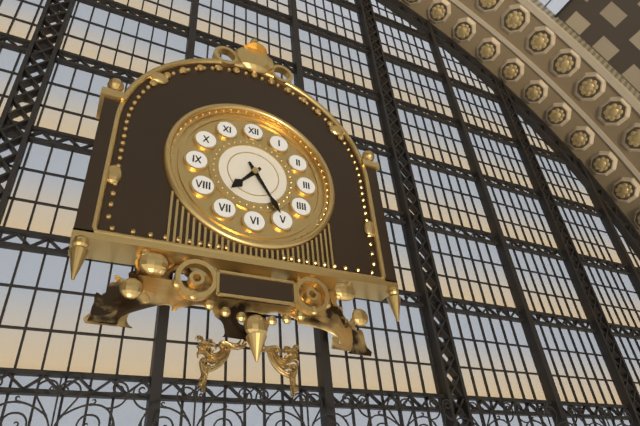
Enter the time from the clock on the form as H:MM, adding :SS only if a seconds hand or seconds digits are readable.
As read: 7:25
